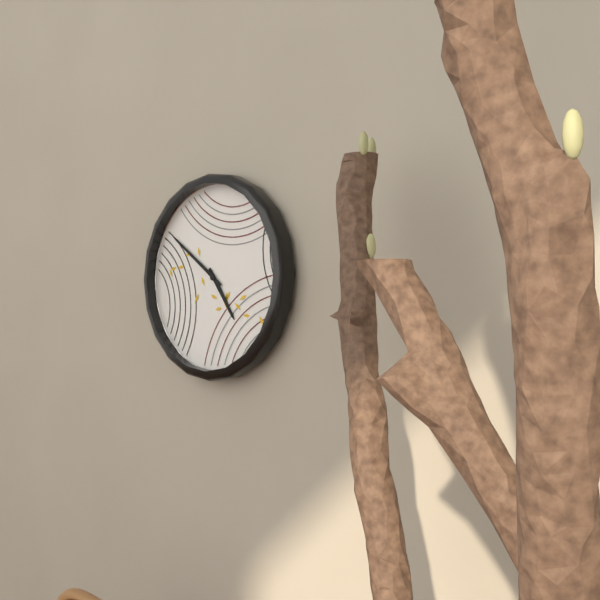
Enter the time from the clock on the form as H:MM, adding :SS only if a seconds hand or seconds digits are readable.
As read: 4:51
